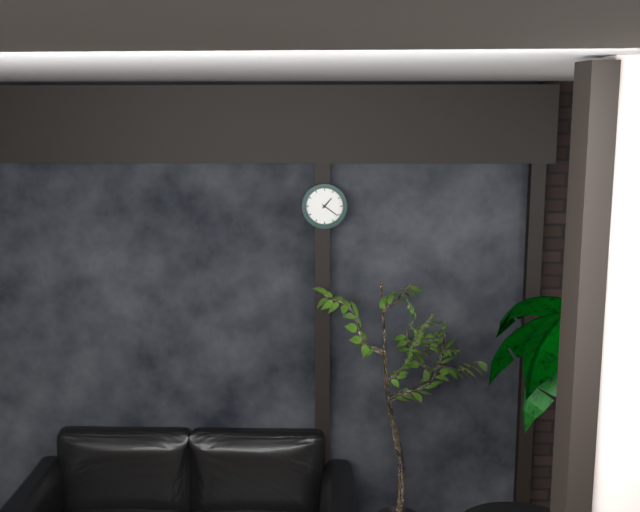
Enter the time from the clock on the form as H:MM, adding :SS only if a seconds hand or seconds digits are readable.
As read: 1:21
